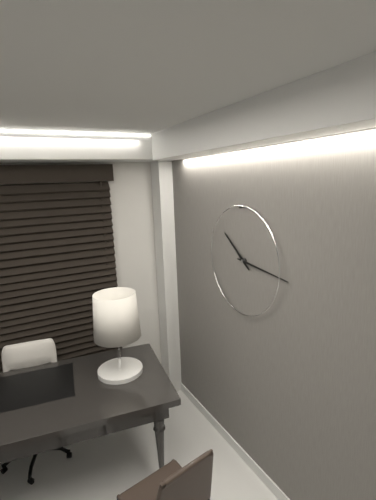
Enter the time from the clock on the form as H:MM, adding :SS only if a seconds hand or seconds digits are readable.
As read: 10:16
